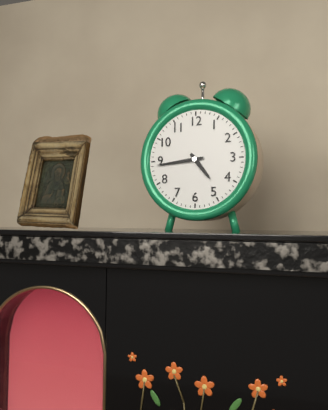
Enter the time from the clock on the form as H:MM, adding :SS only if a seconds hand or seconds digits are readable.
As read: 4:44
